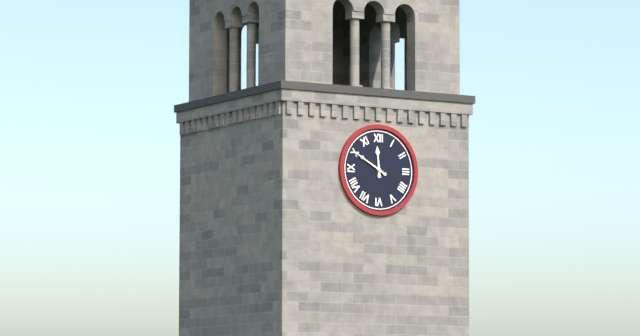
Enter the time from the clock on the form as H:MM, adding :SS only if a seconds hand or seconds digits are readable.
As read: 11:50
